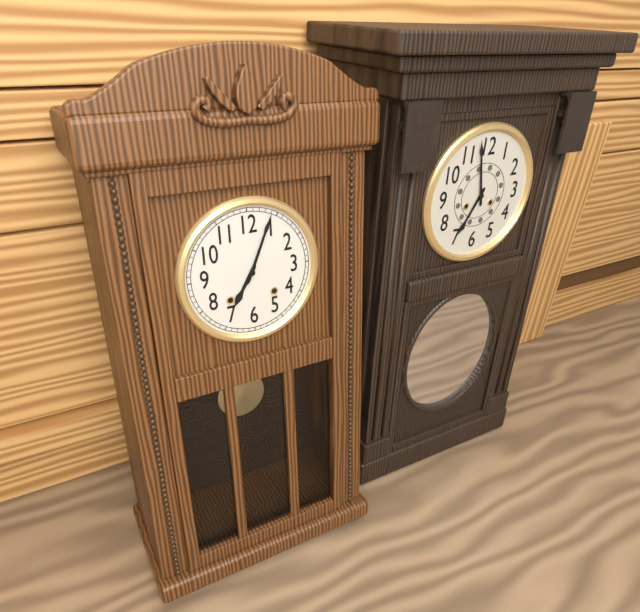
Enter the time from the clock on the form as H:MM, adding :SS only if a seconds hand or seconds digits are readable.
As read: 7:04
